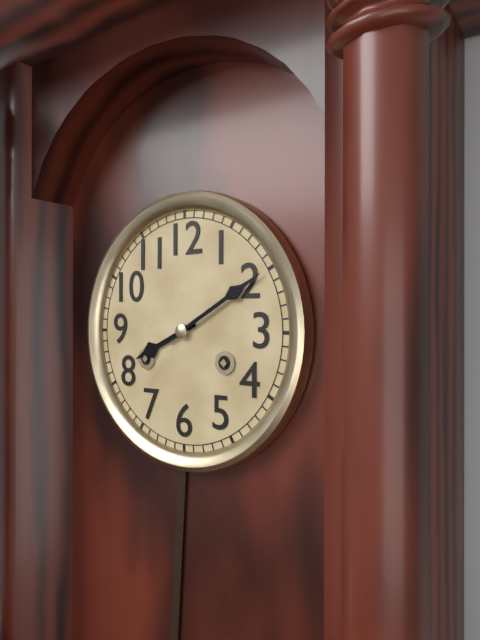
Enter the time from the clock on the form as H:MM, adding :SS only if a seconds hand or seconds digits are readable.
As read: 8:10
